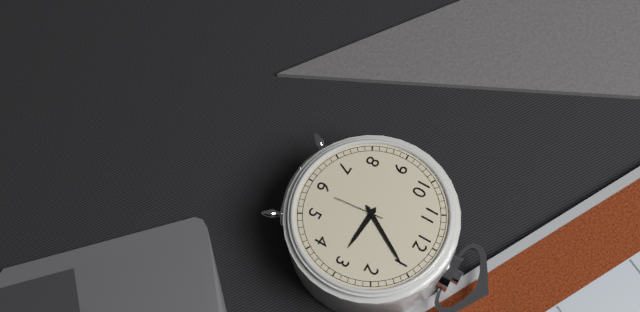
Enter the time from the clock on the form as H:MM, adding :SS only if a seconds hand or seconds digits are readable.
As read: 3:05:29
